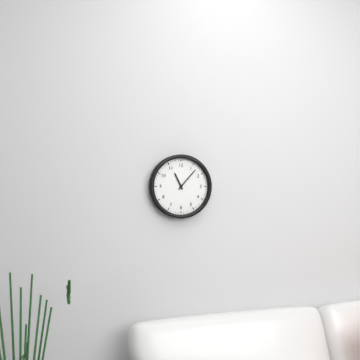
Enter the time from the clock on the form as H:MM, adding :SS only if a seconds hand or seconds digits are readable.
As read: 11:07
